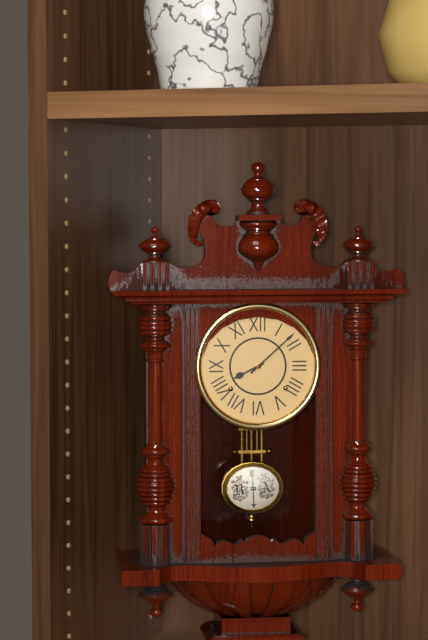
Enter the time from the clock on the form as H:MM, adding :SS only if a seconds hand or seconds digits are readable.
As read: 8:08
